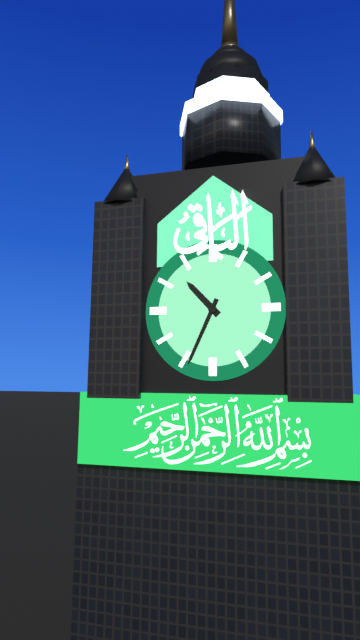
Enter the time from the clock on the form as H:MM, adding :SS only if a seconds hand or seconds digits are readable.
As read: 10:34
